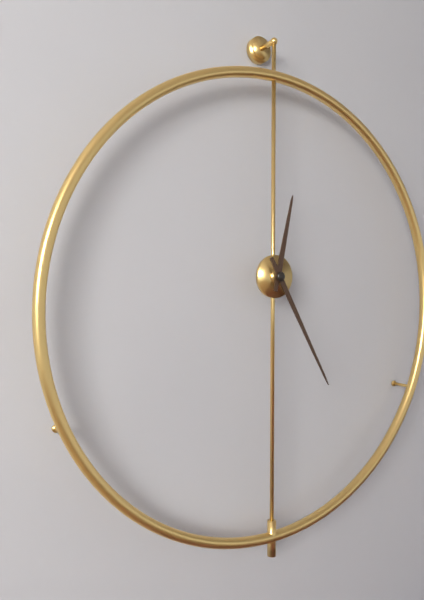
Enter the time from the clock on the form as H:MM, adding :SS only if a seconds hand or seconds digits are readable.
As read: 12:25
